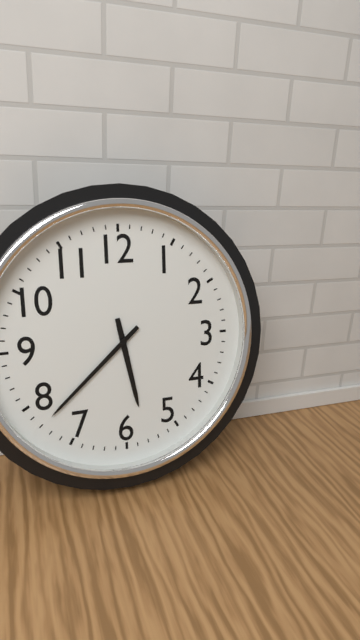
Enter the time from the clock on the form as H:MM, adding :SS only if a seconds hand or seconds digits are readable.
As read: 5:38
